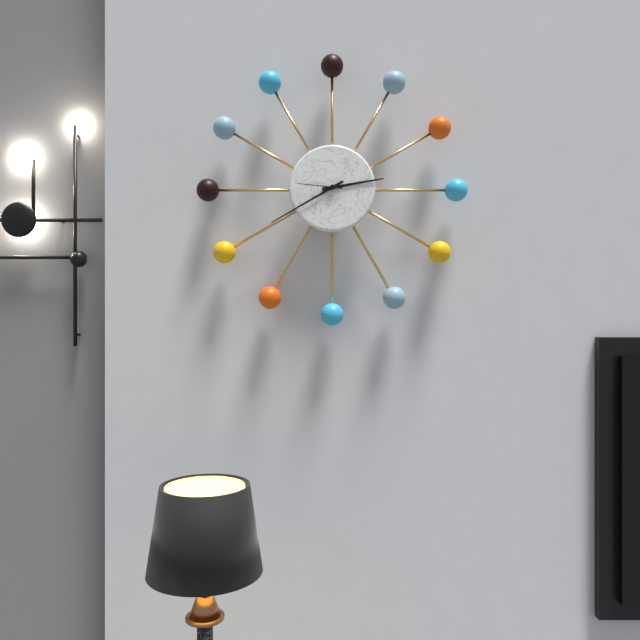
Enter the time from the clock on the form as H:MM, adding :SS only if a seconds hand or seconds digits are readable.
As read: 2:40
